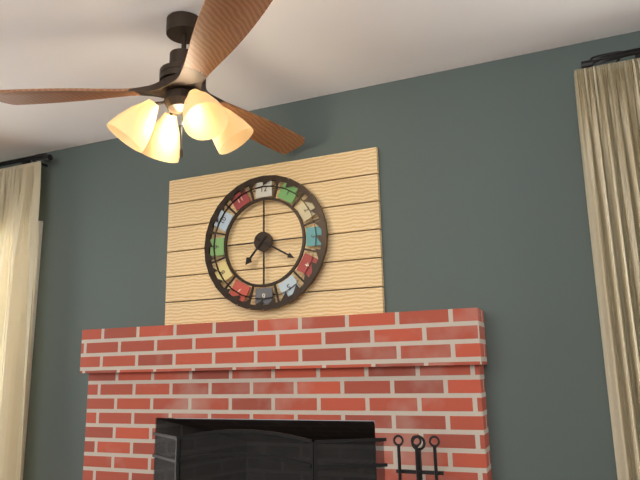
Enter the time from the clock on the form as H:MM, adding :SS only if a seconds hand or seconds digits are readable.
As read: 7:20
